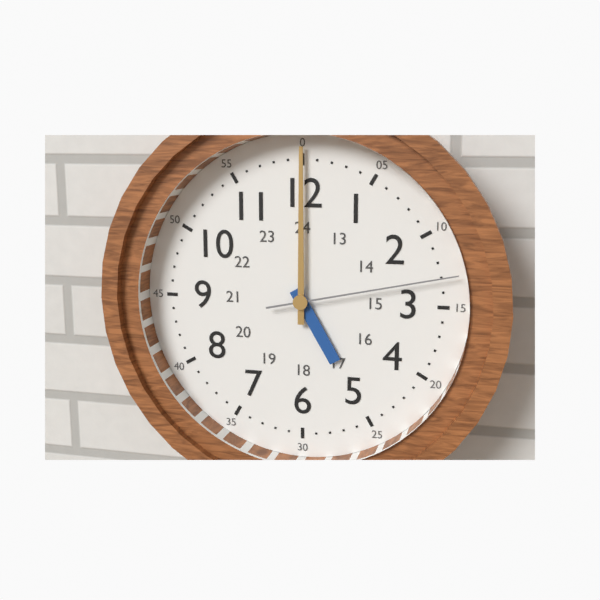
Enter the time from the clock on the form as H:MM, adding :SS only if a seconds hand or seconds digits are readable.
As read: 5:00:13
